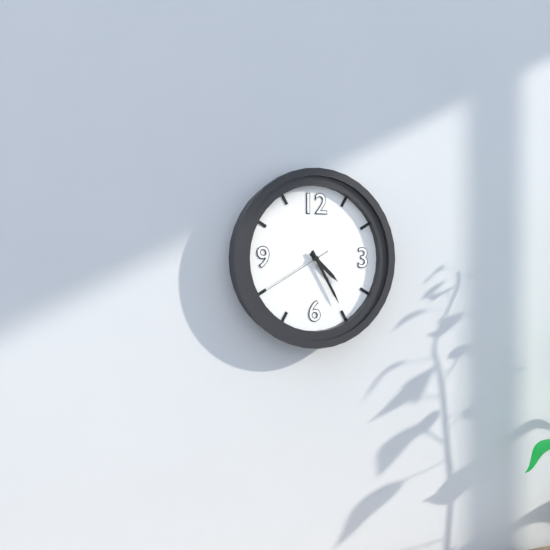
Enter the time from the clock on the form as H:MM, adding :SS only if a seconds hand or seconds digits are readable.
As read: 4:25:40
